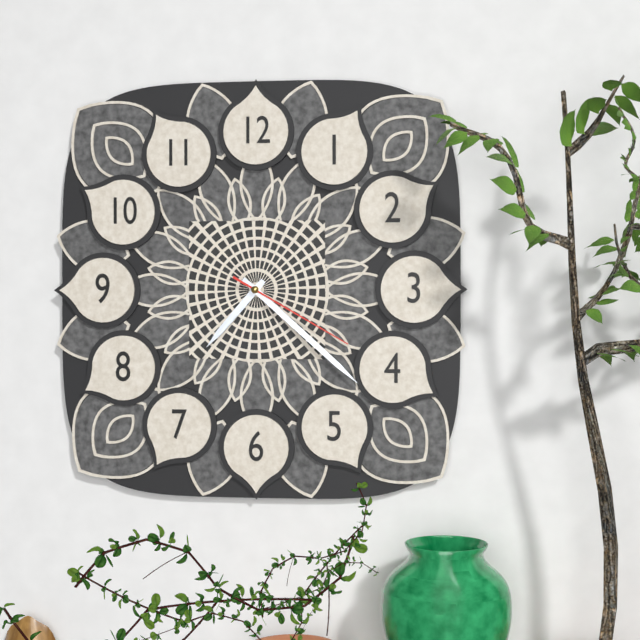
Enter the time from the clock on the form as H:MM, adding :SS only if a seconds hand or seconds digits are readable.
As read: 7:22:20
